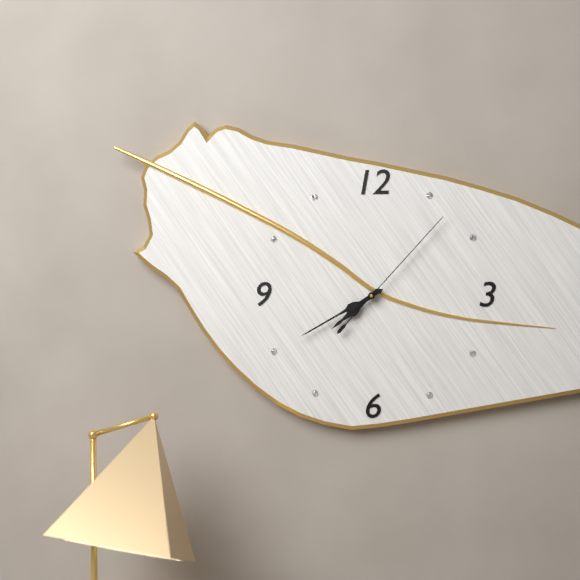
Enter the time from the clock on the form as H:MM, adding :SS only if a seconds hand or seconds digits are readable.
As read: 7:40:07
